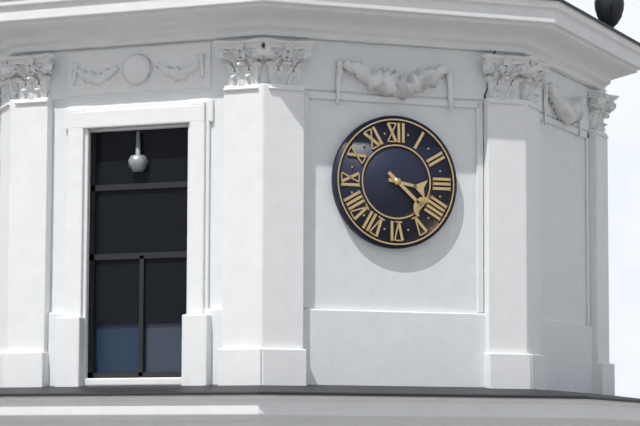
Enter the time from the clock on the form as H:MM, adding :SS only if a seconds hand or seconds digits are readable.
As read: 3:22
